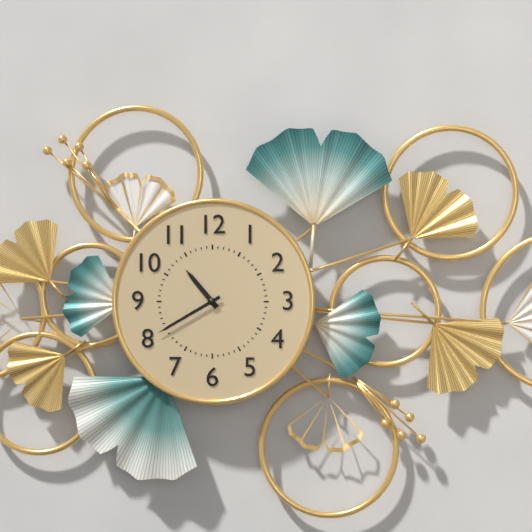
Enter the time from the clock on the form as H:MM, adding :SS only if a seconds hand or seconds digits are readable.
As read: 10:40
